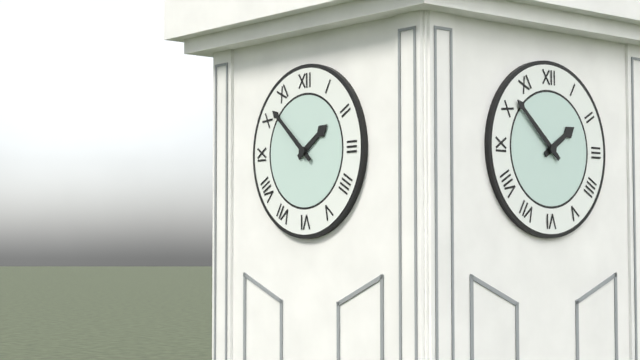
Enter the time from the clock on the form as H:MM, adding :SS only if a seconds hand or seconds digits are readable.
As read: 1:52
